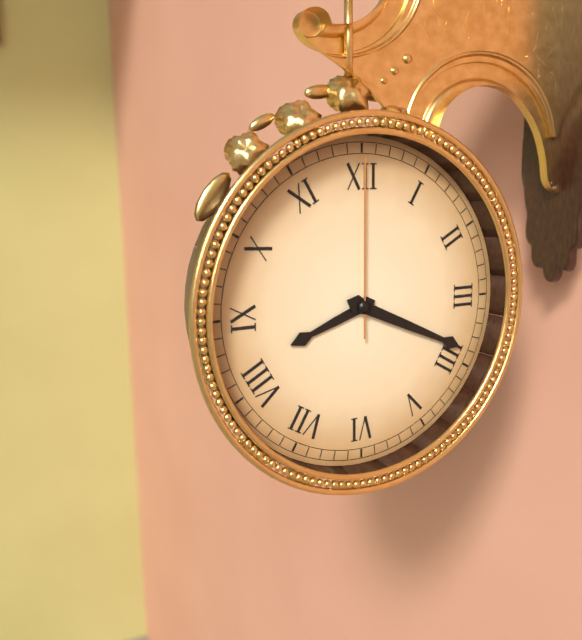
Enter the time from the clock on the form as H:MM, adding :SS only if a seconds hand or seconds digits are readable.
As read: 8:19:00
